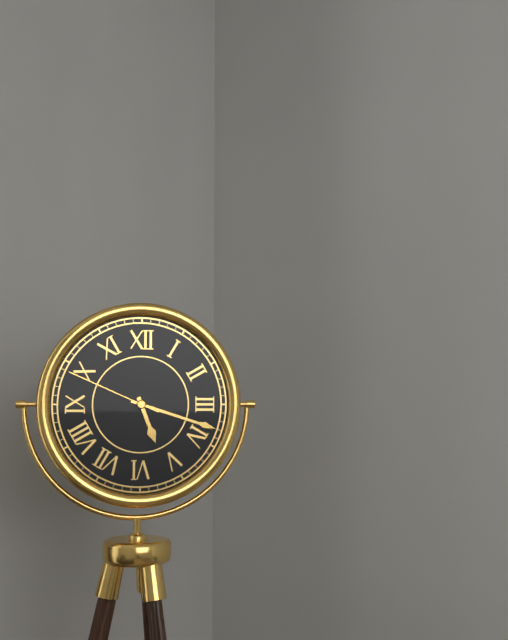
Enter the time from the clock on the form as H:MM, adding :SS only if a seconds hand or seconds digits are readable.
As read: 5:18:49
